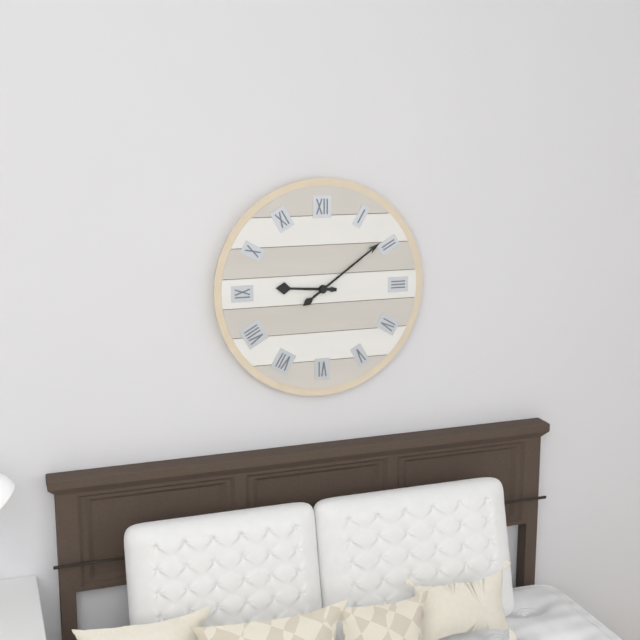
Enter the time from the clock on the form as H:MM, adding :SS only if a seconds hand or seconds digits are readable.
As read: 9:09
